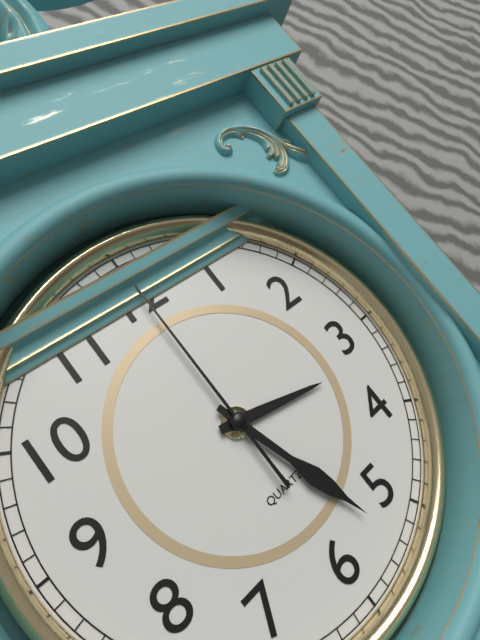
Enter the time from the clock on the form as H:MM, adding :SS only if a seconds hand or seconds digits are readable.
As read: 3:27:00
